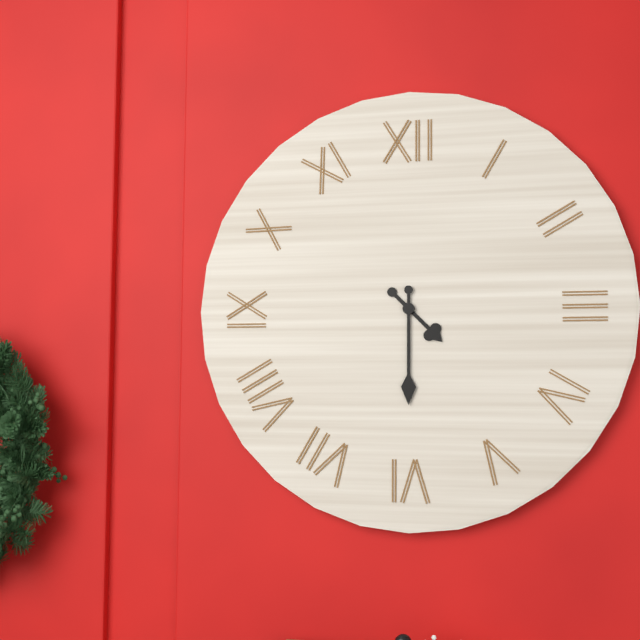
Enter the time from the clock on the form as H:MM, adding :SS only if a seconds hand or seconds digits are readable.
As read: 4:30
